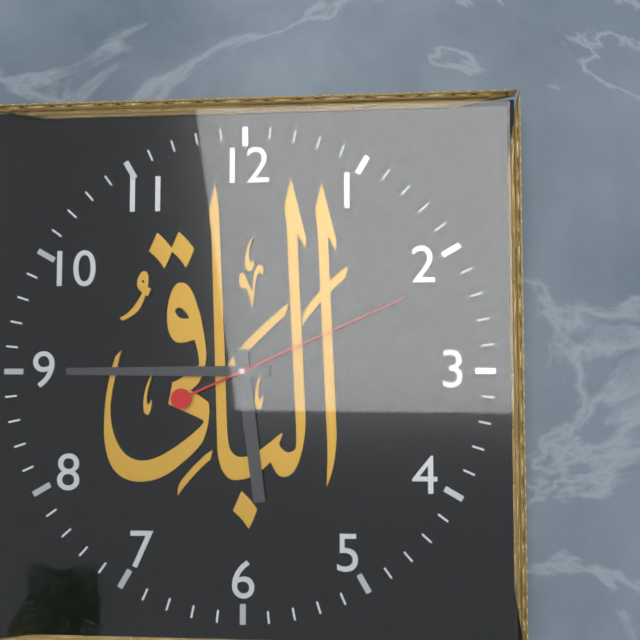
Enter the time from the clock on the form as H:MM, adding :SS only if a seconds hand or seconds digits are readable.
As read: 5:45:11
